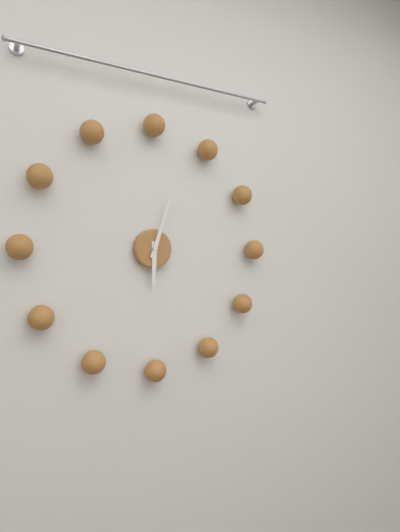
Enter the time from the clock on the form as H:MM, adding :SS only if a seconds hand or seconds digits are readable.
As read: 6:03
